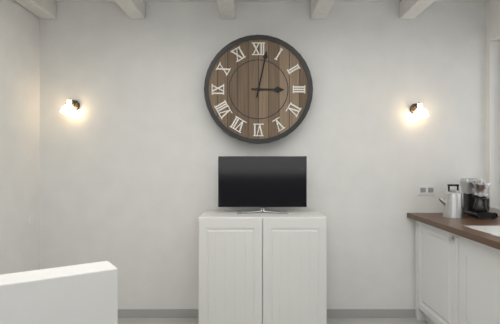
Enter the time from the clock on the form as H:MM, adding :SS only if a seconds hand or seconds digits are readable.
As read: 3:02
